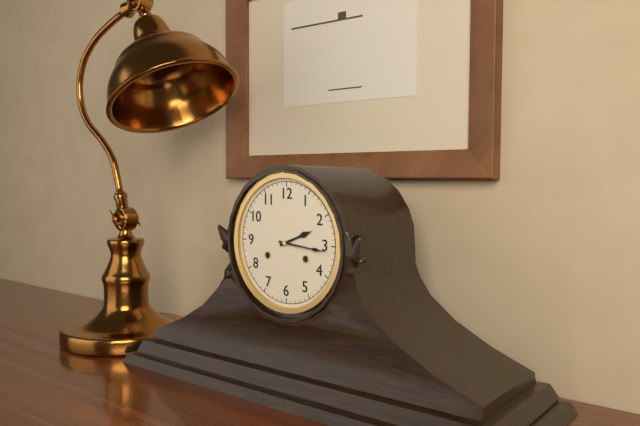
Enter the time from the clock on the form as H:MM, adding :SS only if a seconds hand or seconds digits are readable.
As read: 2:16
